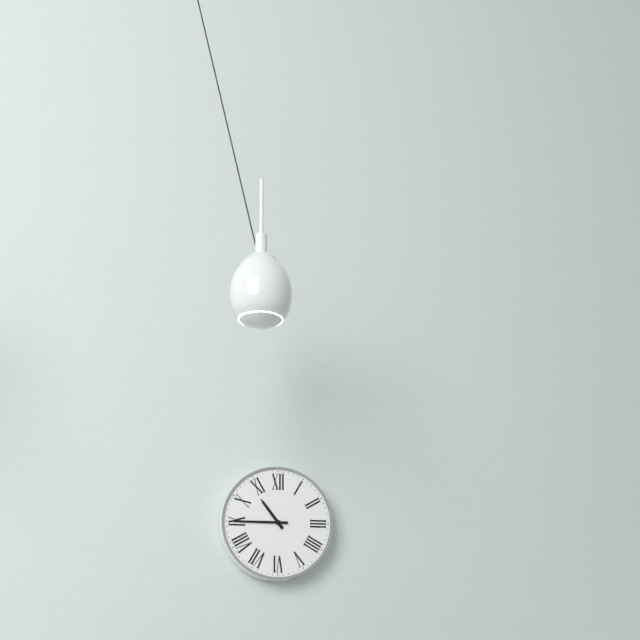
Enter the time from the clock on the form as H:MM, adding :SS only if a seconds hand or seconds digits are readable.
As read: 10:45
